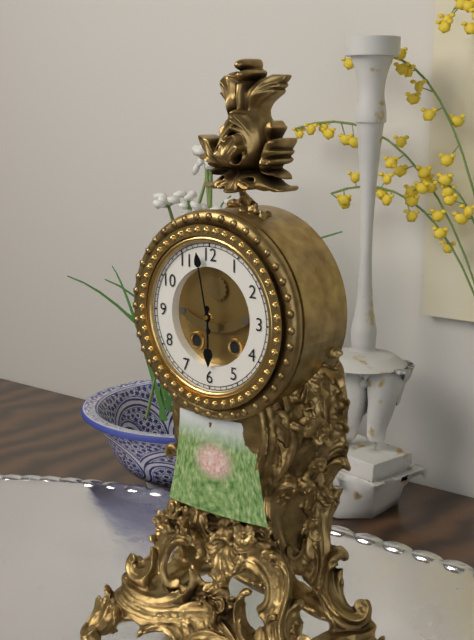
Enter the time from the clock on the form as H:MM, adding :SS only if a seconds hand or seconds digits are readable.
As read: 5:58
